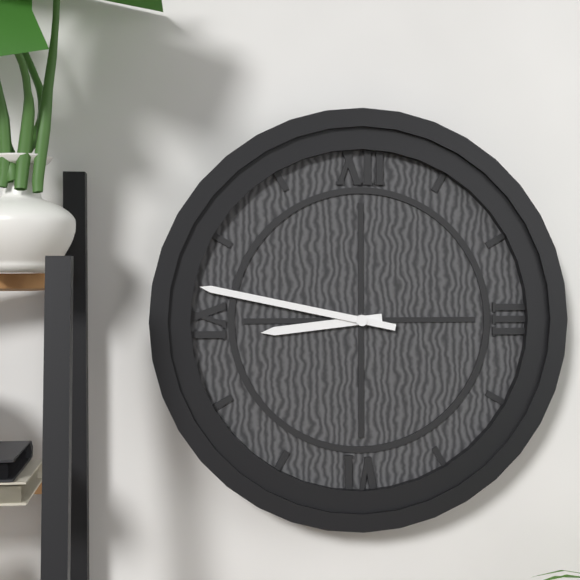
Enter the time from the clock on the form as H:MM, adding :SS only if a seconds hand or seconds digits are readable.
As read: 8:47
